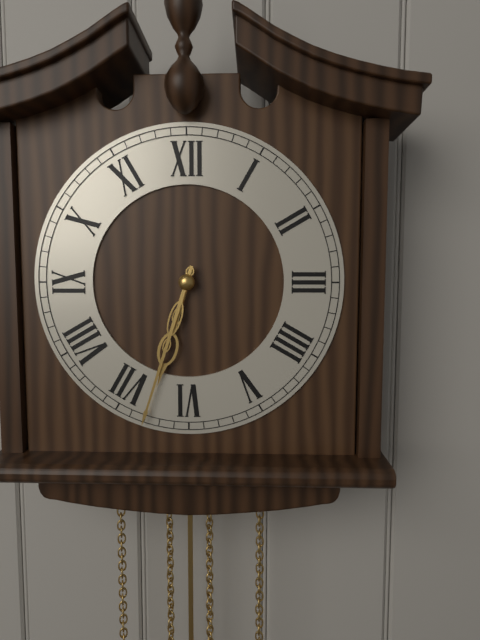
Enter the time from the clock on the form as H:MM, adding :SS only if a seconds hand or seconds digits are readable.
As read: 6:33
